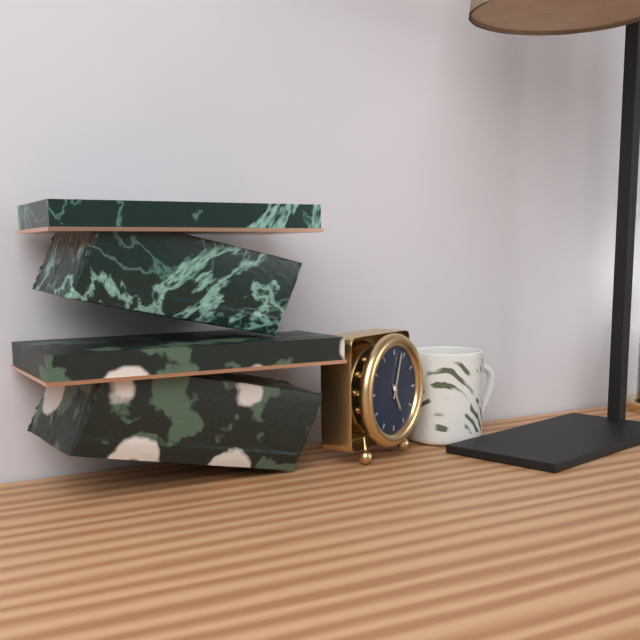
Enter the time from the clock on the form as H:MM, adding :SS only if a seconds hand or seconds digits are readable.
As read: 5:03
